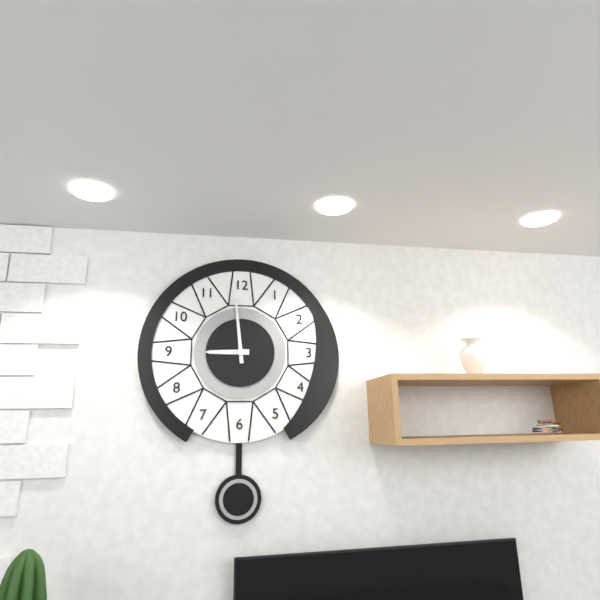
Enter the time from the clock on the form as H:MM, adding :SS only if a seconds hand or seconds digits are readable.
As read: 8:59
